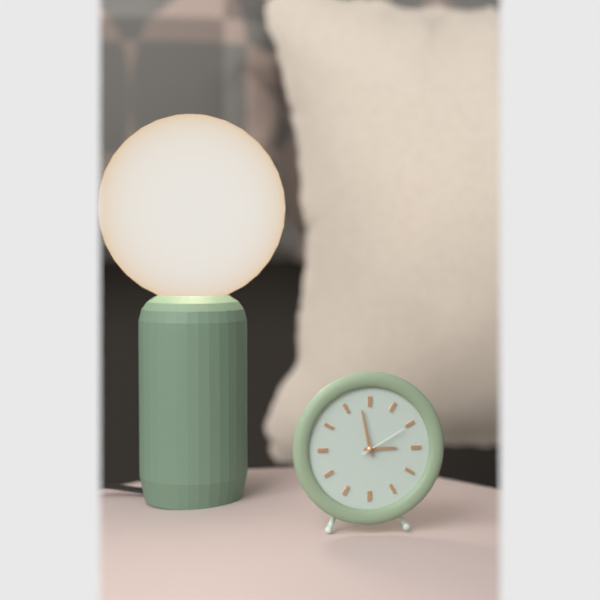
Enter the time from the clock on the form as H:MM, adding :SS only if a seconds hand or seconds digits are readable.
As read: 2:58
